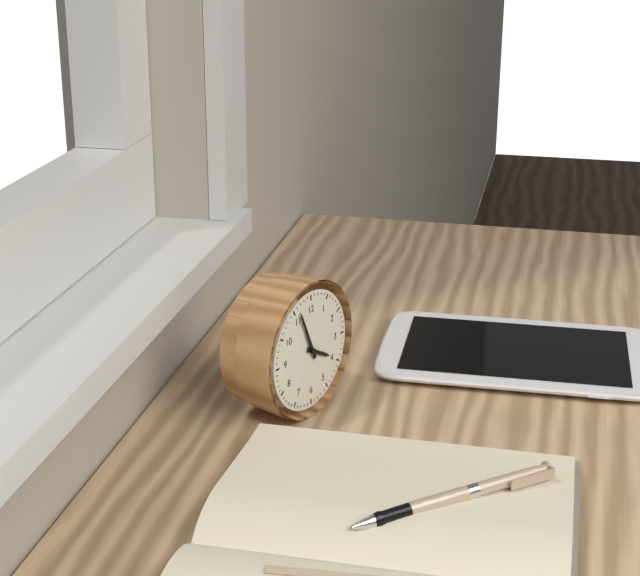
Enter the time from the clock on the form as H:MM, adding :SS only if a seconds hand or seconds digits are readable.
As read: 3:56
